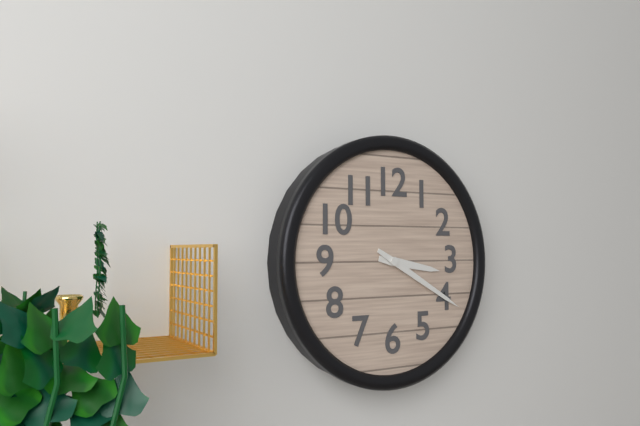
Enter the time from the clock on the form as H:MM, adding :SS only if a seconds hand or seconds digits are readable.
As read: 3:20
